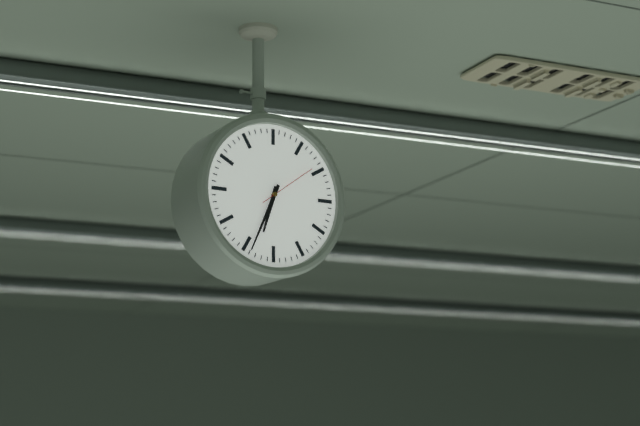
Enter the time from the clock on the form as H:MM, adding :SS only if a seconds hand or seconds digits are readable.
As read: 6:34:09
